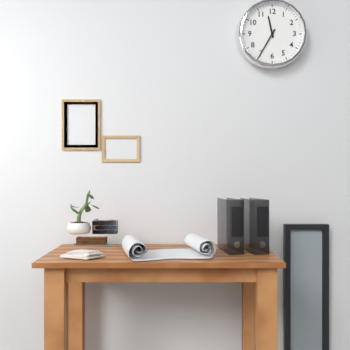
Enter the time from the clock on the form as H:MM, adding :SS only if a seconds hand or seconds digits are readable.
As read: 11:35
